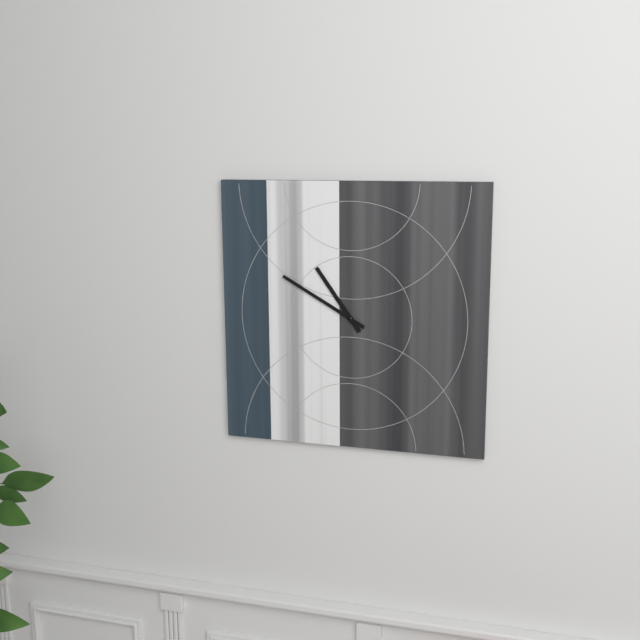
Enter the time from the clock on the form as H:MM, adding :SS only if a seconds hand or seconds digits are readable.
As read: 10:50
